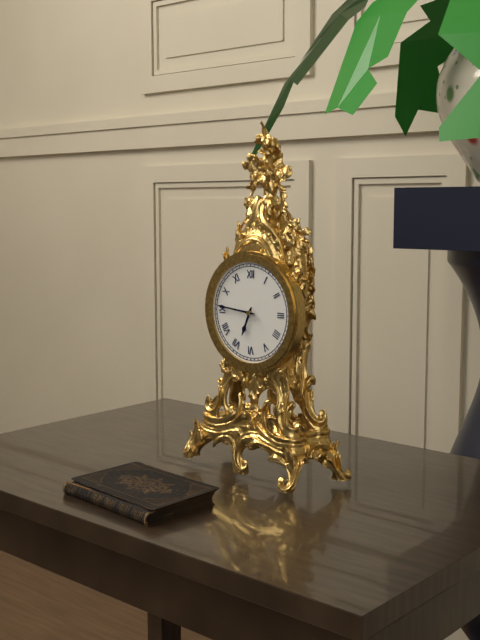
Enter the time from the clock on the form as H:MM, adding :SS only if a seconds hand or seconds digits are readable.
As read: 6:46
